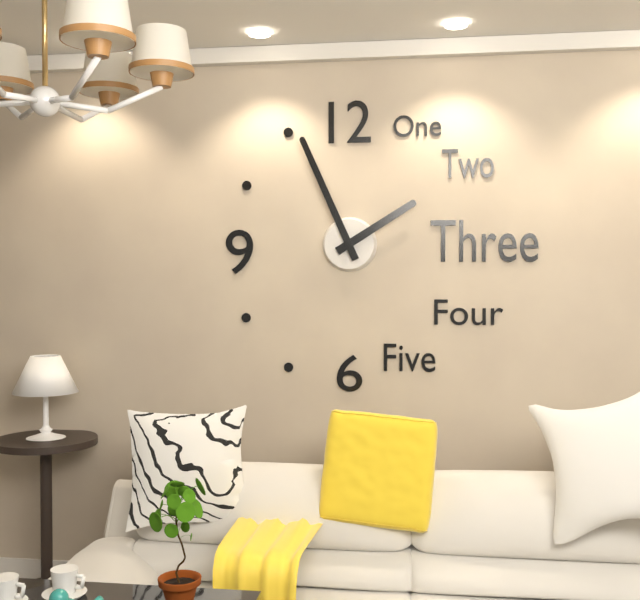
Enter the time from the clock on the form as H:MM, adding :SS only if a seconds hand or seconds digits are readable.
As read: 1:56
